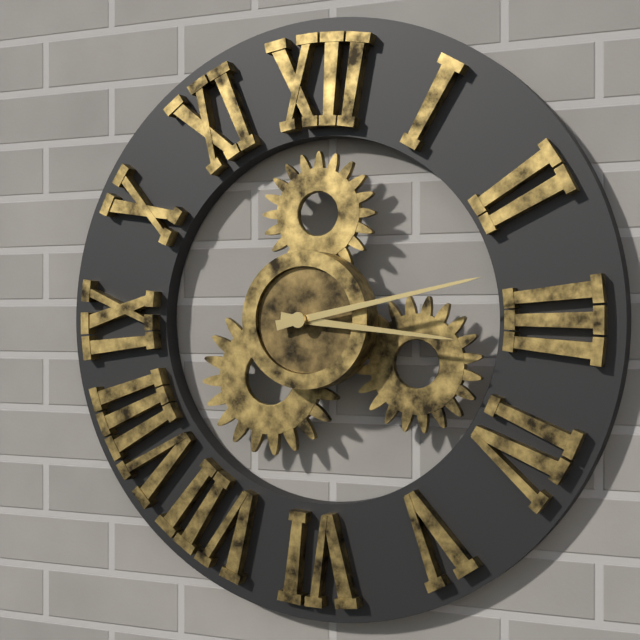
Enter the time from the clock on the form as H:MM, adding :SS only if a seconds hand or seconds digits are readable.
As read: 3:13
